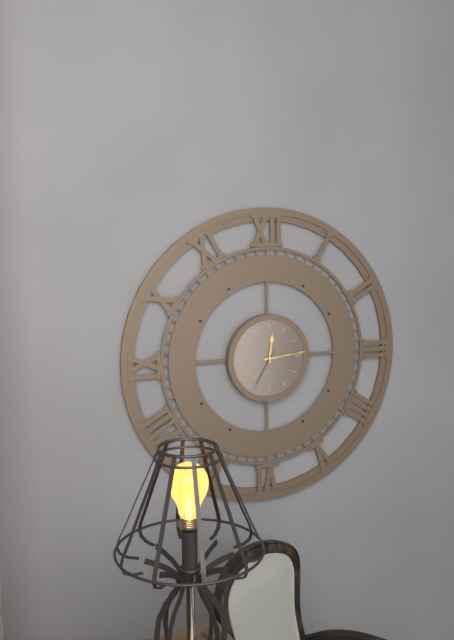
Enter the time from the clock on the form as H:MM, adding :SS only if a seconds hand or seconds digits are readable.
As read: 12:14
